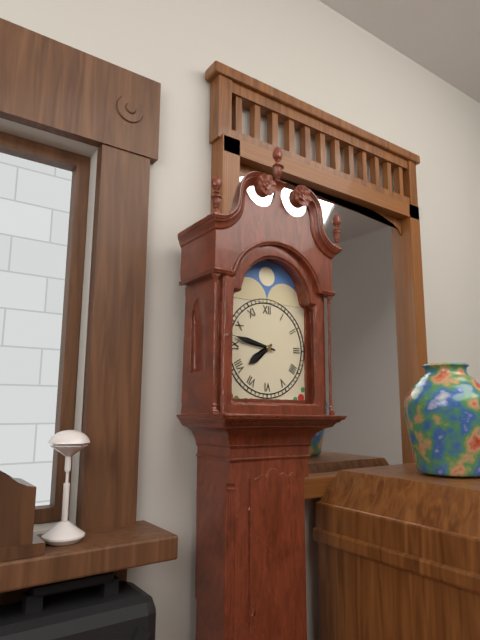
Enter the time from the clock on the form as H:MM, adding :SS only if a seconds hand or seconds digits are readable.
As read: 7:47
